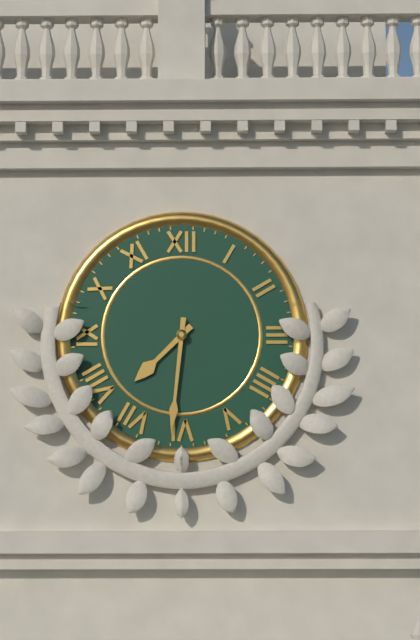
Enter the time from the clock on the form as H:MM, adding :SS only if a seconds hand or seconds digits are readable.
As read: 7:31
